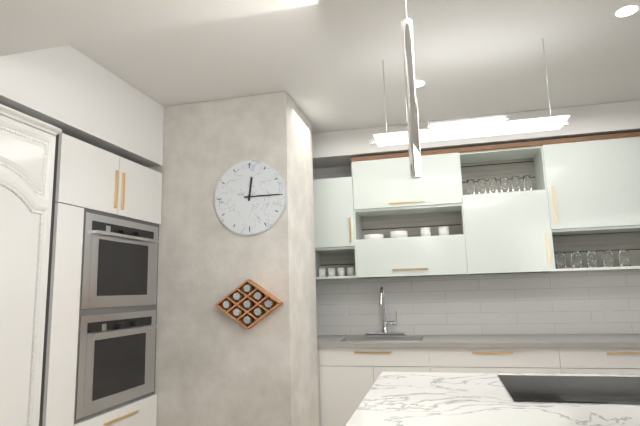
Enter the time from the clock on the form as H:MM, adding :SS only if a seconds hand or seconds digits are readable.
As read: 12:15
